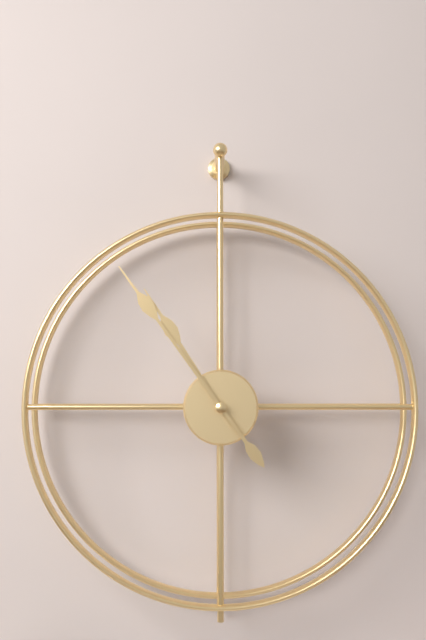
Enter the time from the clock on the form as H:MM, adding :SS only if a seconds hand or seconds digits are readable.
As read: 10:54
